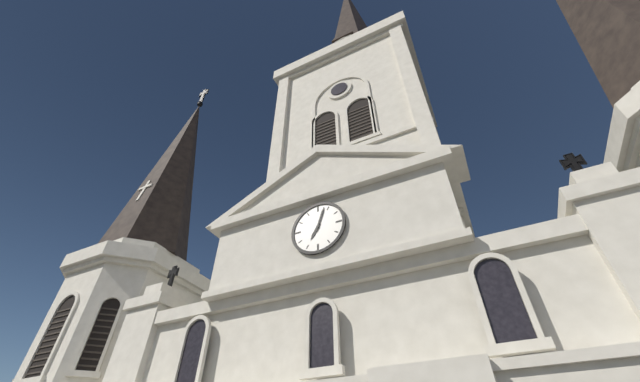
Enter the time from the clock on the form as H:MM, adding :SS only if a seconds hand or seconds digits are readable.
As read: 7:03
